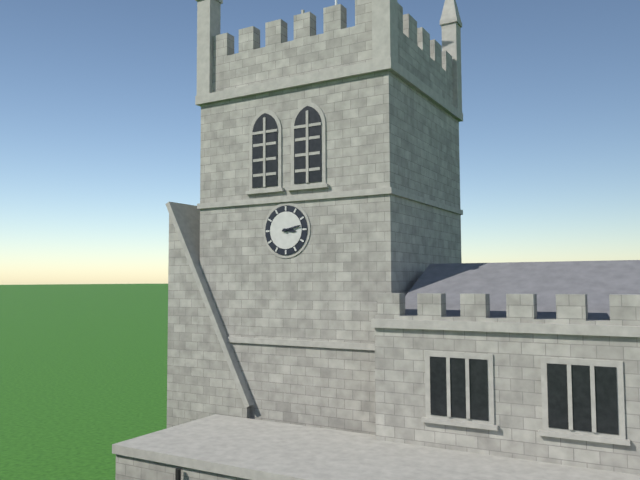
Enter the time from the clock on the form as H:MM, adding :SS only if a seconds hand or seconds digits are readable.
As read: 3:13
